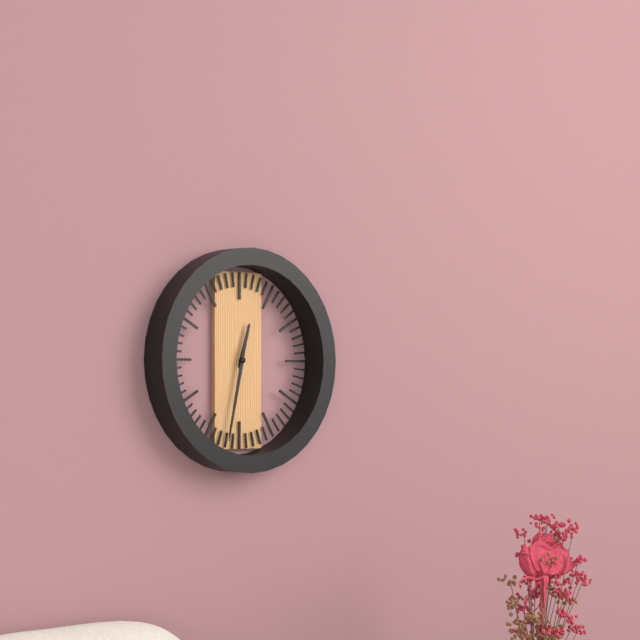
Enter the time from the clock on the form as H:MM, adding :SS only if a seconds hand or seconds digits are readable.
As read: 12:32
